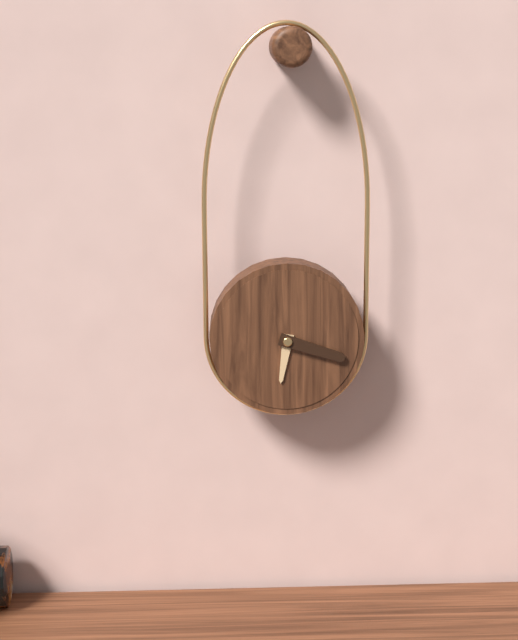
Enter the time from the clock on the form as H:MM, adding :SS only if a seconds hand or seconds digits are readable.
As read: 6:18
